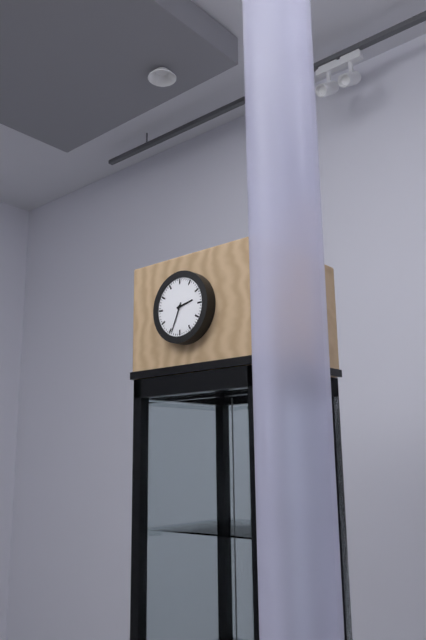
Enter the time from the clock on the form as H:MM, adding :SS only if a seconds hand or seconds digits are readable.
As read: 2:34
